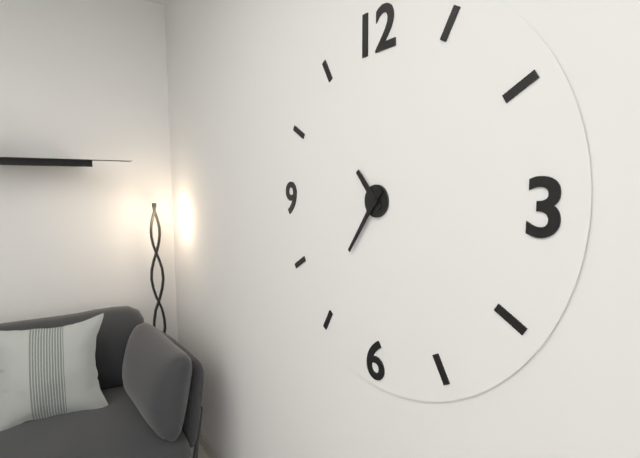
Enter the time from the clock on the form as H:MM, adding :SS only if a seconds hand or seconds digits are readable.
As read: 10:36
